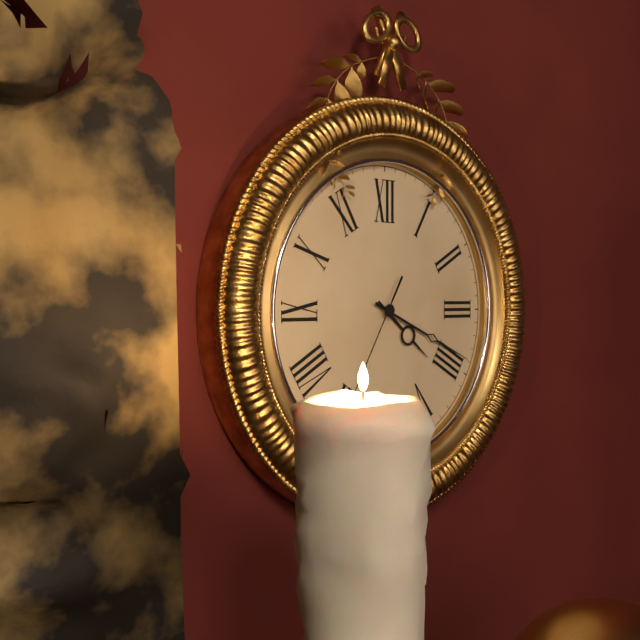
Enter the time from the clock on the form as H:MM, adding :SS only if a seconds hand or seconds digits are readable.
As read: 4:19
